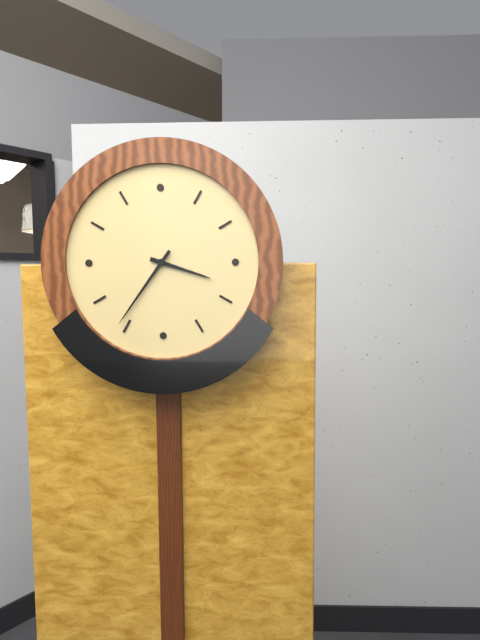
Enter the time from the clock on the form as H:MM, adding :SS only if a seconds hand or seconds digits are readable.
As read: 3:36
